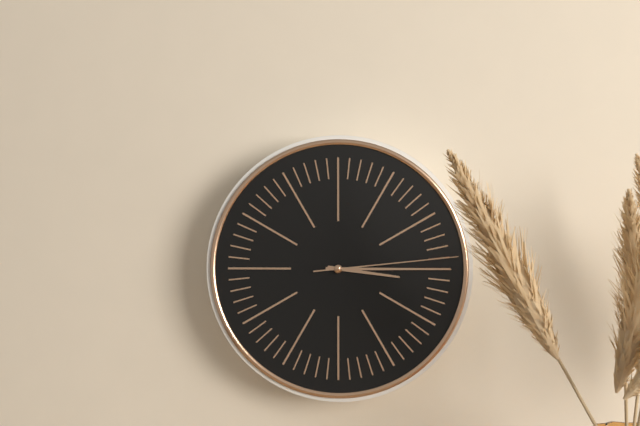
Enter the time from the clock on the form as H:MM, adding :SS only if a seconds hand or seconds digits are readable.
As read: 3:15:14
